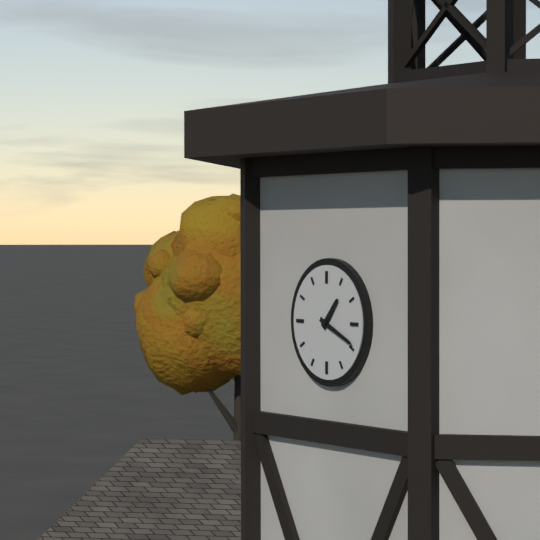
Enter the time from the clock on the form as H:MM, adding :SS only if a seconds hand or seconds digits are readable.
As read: 1:19
